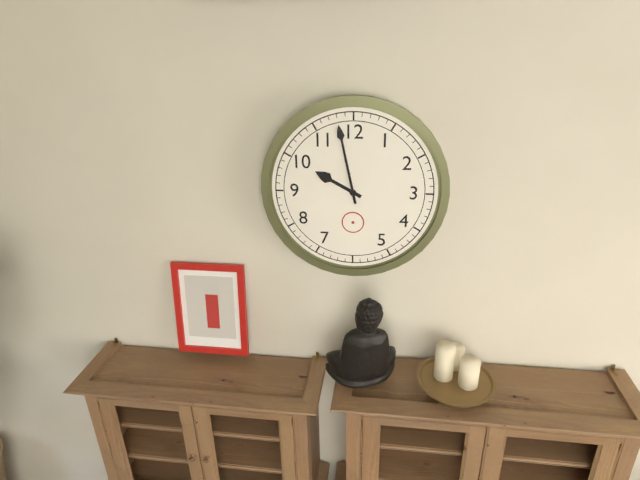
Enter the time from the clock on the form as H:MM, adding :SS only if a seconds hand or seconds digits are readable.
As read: 9:58
